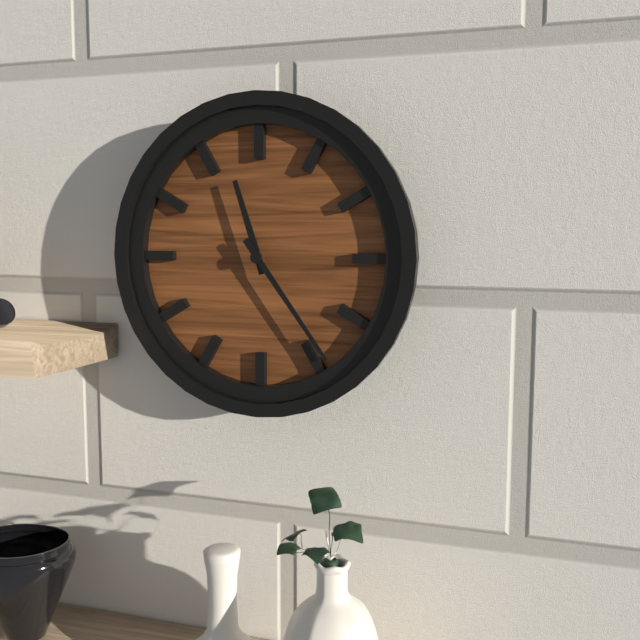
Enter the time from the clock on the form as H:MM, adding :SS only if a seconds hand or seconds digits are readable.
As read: 11:24
